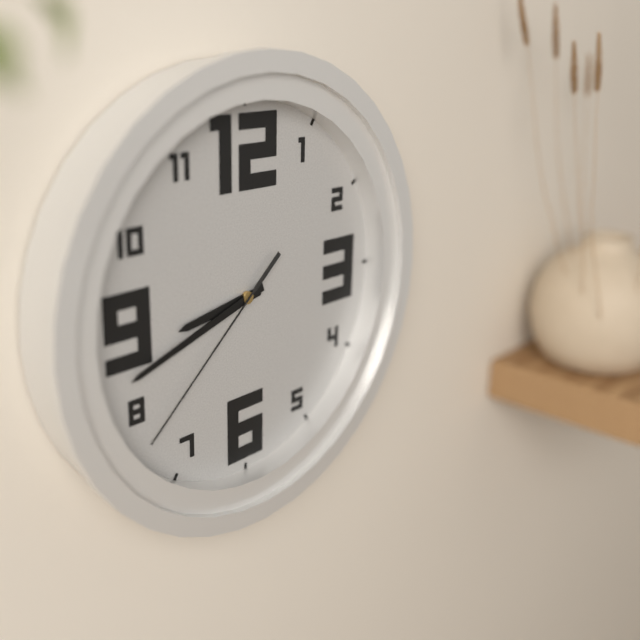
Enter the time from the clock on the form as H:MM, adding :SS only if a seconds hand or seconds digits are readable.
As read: 8:42:38
